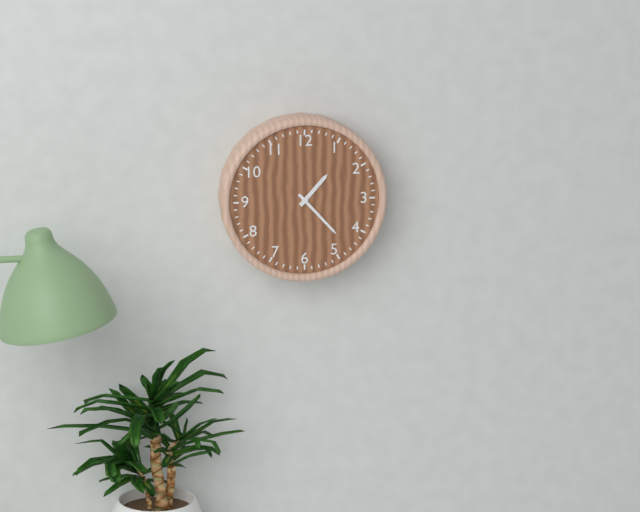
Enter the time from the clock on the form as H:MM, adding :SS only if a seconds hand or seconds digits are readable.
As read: 1:23
